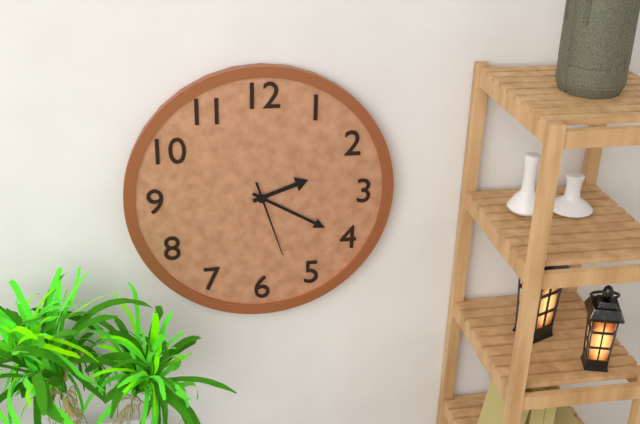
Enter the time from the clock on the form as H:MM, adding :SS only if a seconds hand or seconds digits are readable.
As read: 2:20:27
